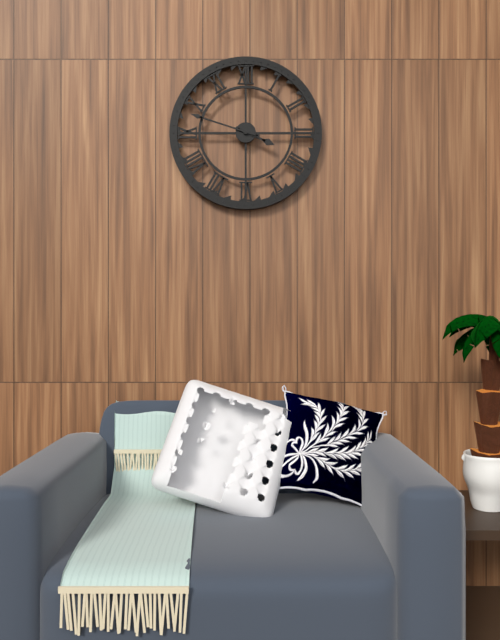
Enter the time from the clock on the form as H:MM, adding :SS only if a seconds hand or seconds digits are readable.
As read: 3:48
